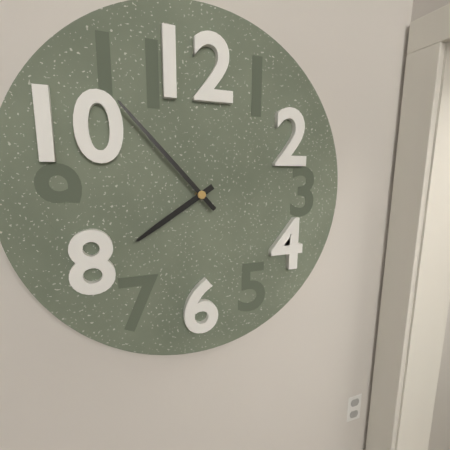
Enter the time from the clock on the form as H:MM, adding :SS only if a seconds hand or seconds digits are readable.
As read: 7:53
